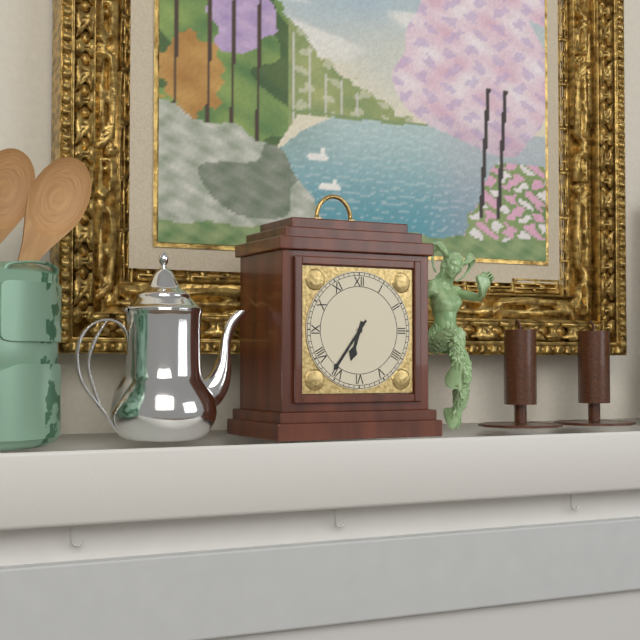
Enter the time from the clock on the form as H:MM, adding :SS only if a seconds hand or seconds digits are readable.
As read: 6:36
